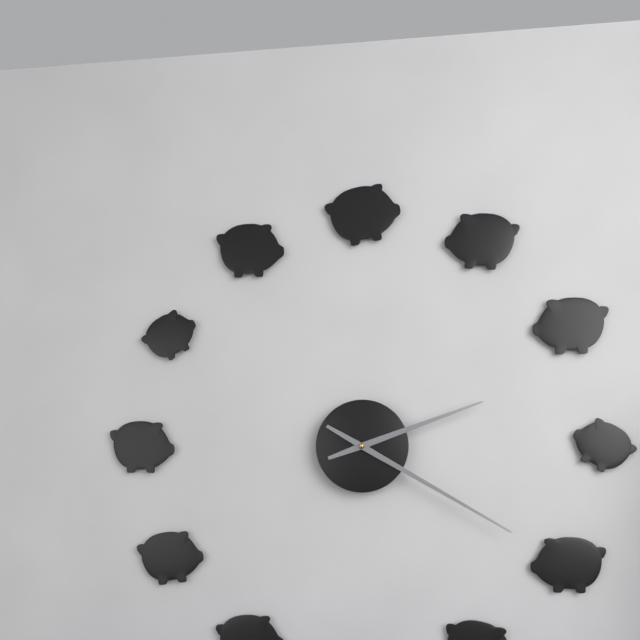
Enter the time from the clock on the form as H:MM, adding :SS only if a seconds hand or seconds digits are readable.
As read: 2:20
